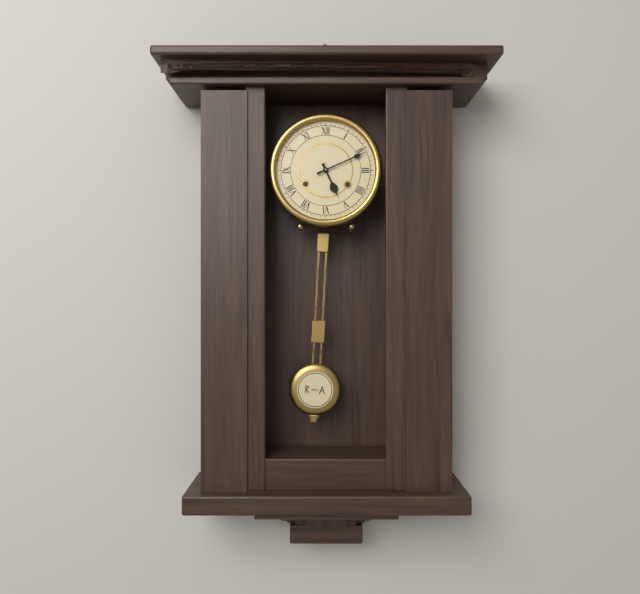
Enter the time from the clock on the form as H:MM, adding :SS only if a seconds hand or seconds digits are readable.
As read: 5:11
